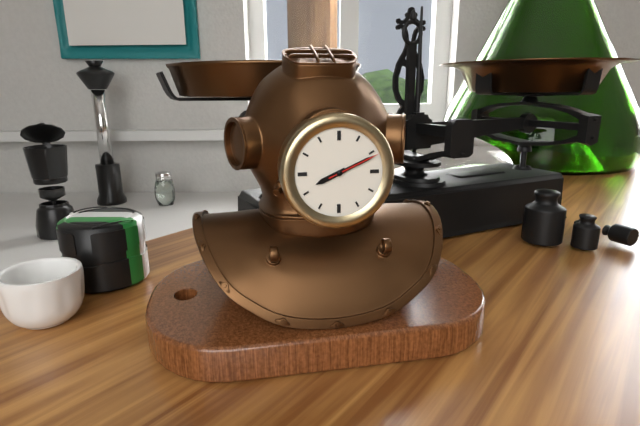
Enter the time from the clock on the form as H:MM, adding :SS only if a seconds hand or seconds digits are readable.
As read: 8:11:11
